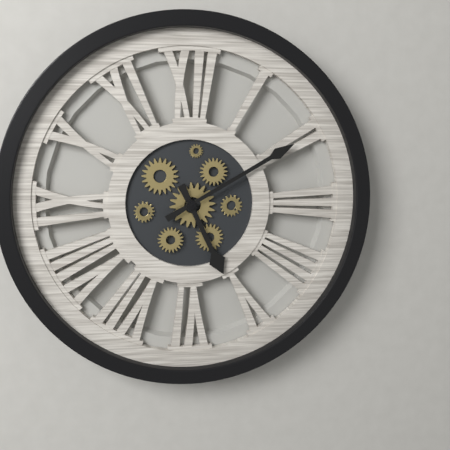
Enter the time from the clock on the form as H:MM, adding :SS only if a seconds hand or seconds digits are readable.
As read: 5:10
